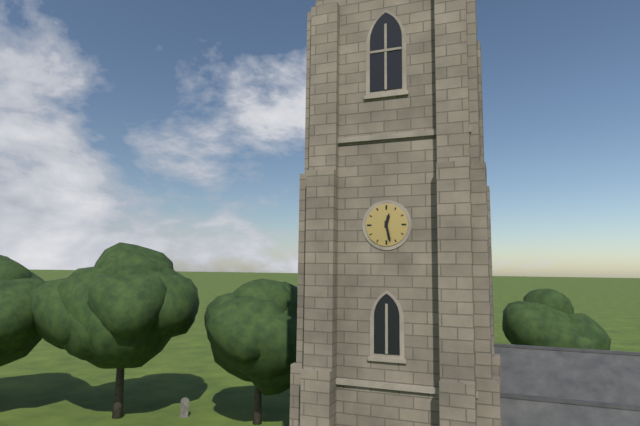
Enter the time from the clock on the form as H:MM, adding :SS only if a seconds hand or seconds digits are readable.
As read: 12:28
